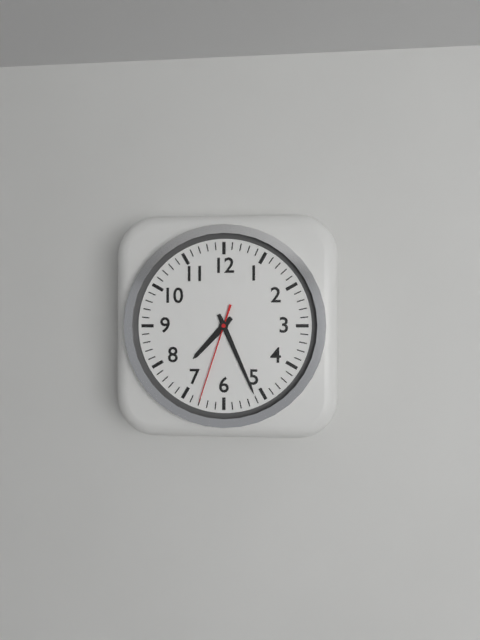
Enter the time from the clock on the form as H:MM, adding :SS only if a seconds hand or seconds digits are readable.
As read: 7:26:33
